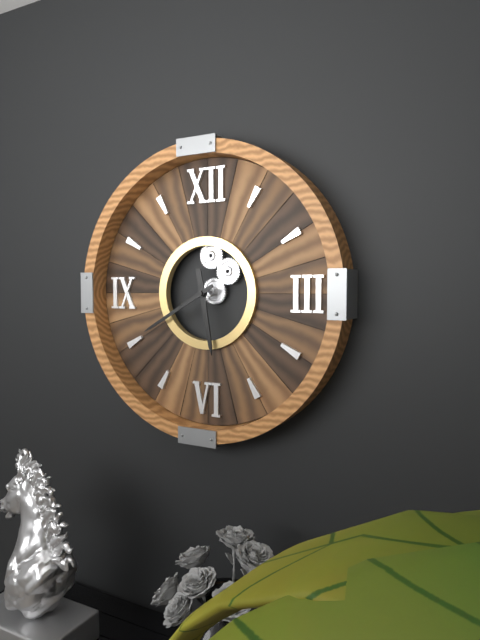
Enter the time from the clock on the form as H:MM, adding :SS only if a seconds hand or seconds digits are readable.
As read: 5:40
